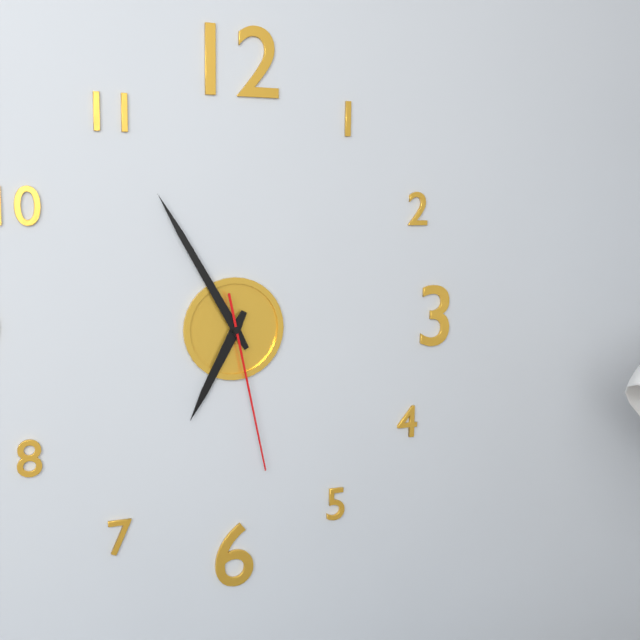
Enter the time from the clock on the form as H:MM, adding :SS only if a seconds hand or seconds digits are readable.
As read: 6:55:28
